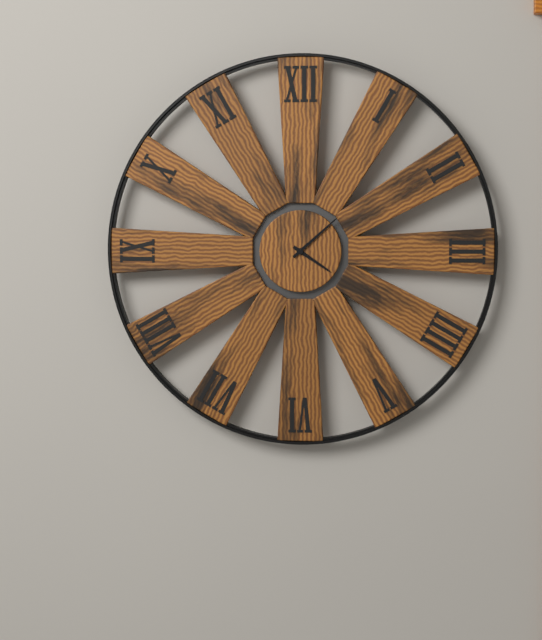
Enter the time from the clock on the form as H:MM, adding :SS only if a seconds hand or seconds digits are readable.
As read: 4:08
